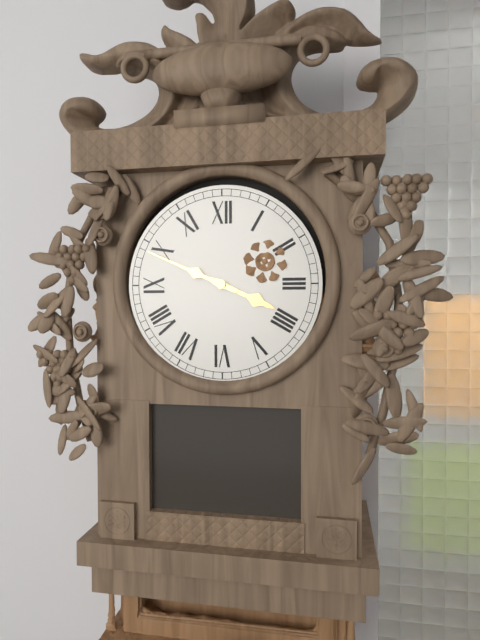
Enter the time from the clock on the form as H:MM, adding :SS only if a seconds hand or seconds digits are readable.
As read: 3:49
